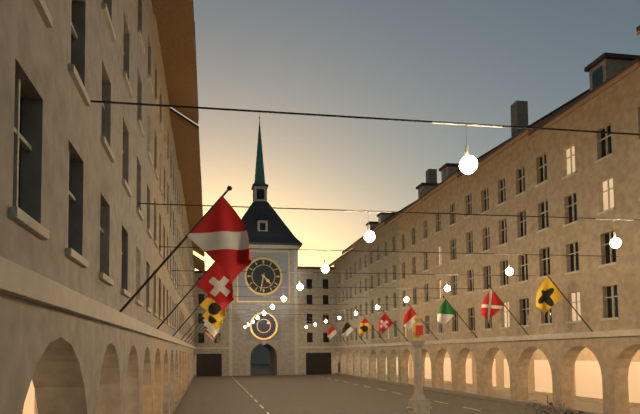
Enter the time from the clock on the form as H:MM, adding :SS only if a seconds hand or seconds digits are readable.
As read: 4:32
